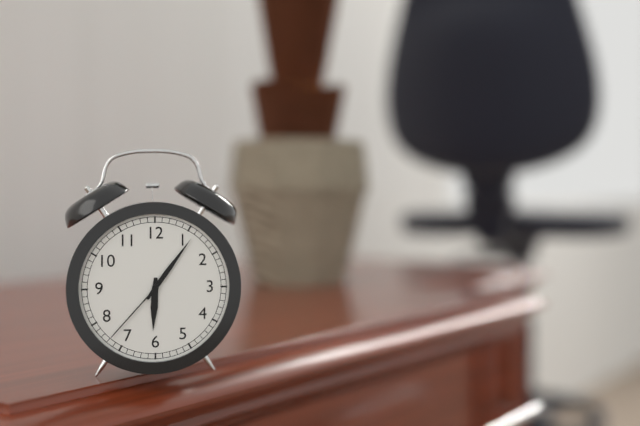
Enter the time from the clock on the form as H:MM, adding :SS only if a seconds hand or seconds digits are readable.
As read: 6:06:37
